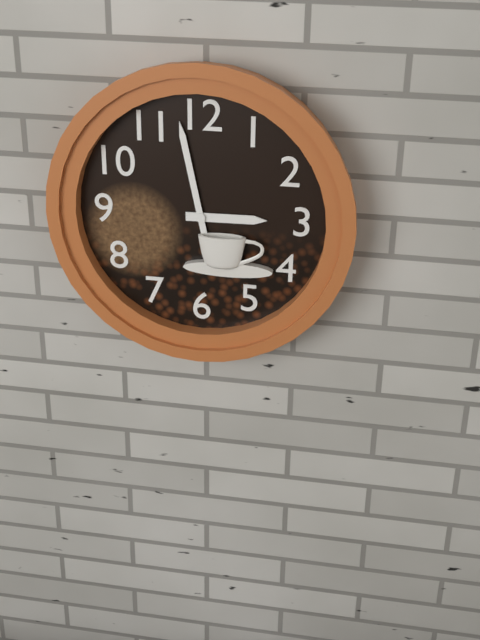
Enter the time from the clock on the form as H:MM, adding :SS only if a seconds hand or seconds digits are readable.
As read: 2:58
